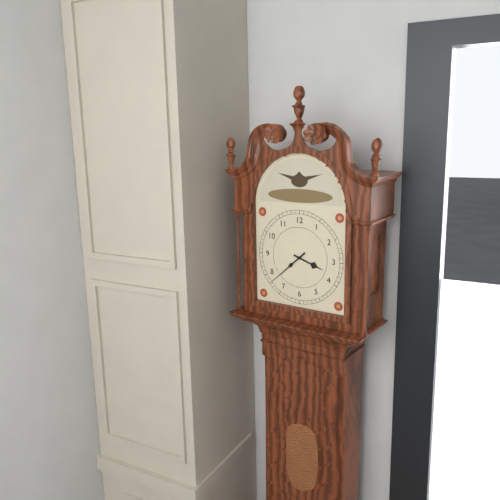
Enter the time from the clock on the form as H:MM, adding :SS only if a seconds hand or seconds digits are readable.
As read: 3:38
